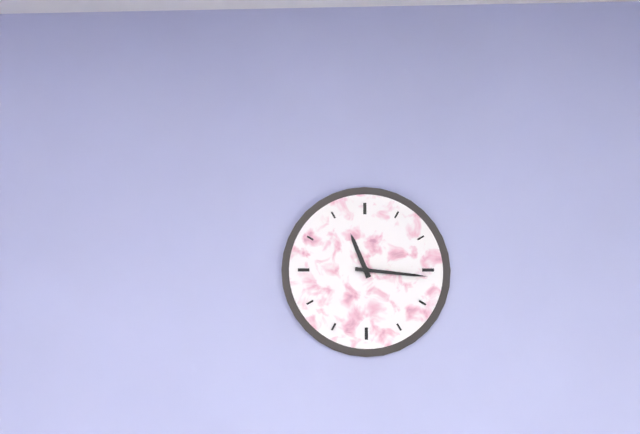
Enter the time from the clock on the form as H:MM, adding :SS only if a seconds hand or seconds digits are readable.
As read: 11:16
